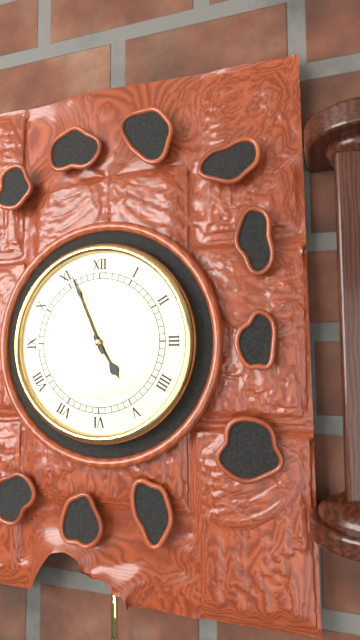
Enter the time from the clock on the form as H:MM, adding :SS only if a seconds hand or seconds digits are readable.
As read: 4:56
